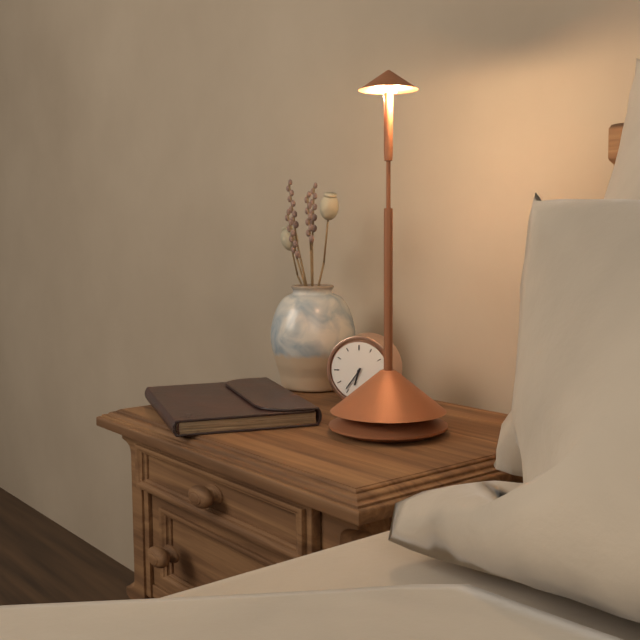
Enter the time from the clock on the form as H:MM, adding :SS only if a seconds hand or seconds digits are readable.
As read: 6:36
